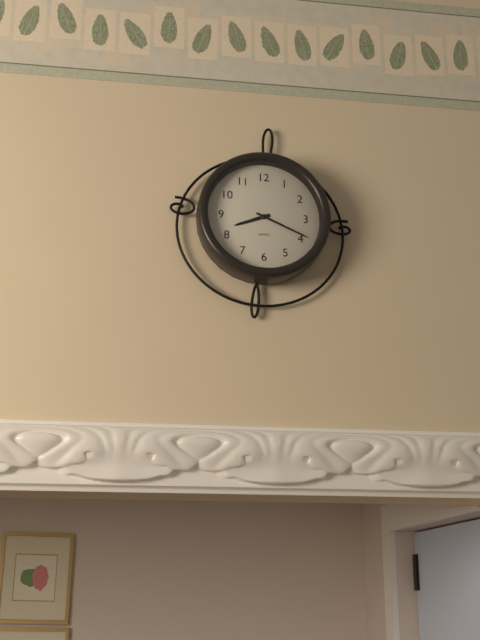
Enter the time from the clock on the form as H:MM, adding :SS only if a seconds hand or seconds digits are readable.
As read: 8:19
